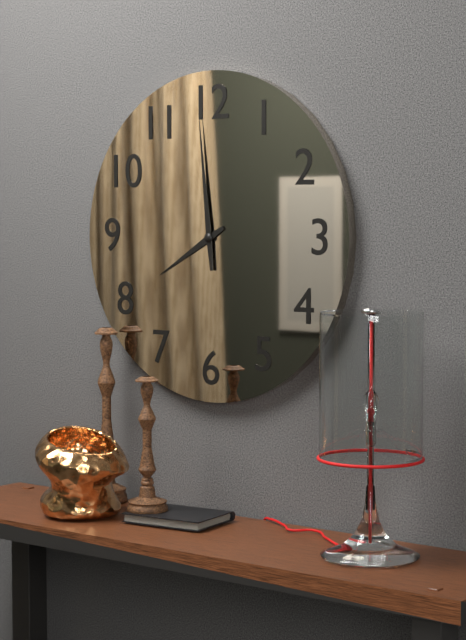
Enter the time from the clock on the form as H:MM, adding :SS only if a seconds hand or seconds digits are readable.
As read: 7:59
